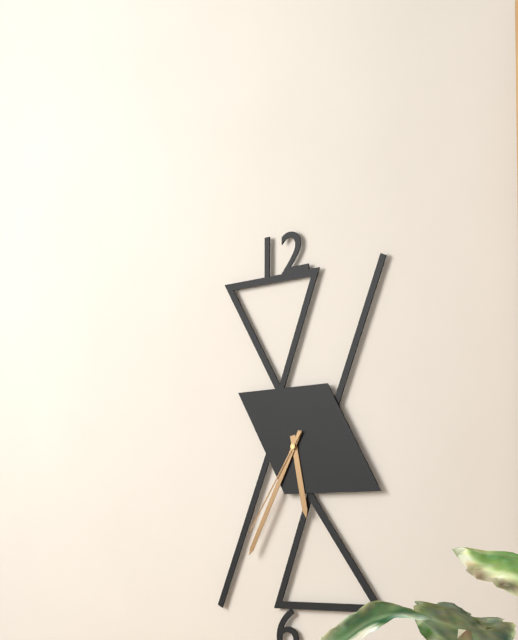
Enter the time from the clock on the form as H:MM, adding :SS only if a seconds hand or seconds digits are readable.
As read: 5:35:36
